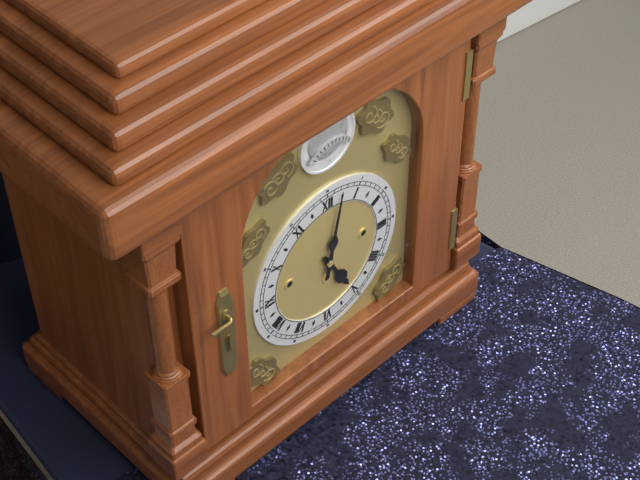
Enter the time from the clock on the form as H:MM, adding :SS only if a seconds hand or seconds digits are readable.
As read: 5:02
